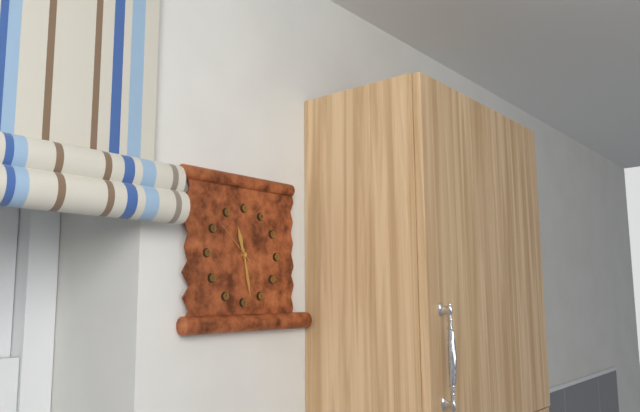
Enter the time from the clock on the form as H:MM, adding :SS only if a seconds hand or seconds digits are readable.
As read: 11:28
